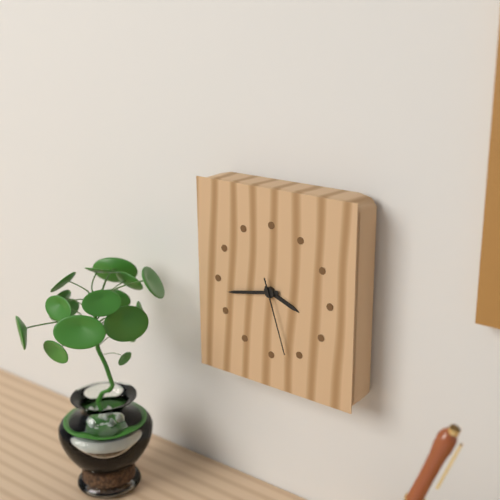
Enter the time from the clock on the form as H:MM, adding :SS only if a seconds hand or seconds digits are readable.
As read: 3:43:27
